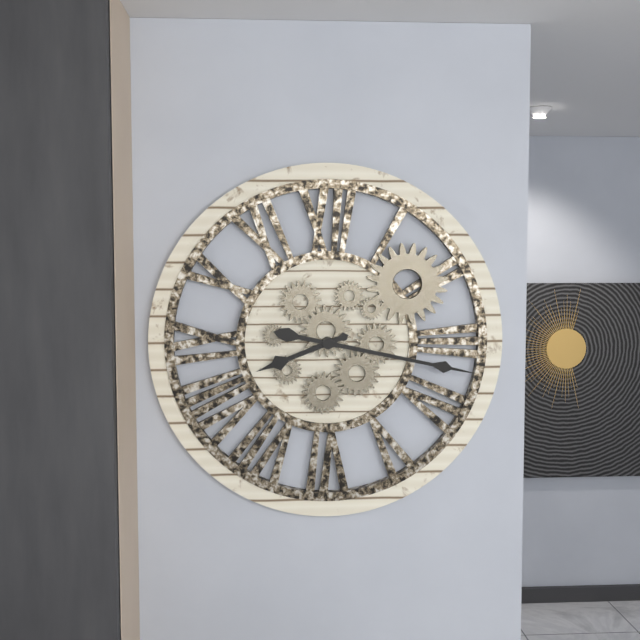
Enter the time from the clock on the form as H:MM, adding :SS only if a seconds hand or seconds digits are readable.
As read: 8:17
